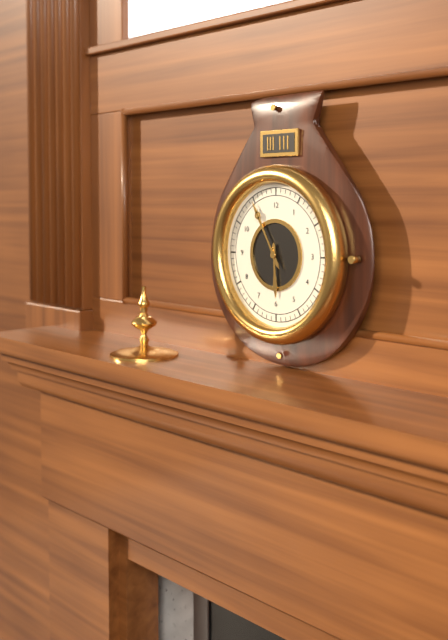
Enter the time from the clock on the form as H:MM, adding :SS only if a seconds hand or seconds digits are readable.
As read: 5:55
